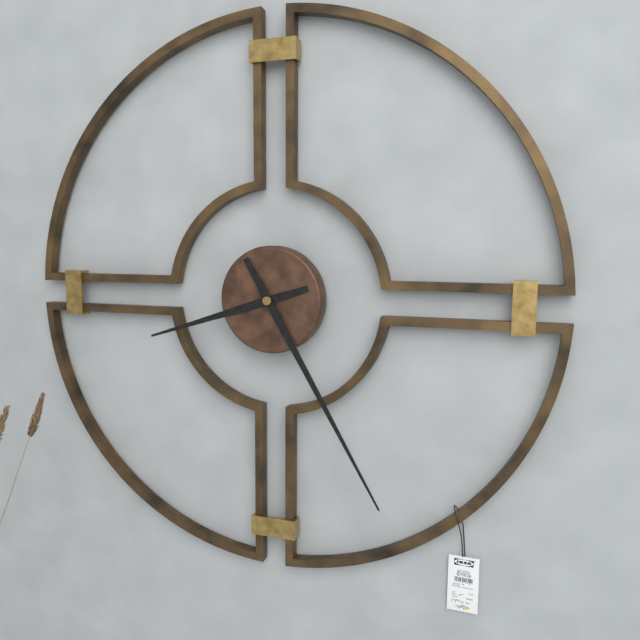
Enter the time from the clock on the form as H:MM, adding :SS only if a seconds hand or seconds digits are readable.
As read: 8:25
